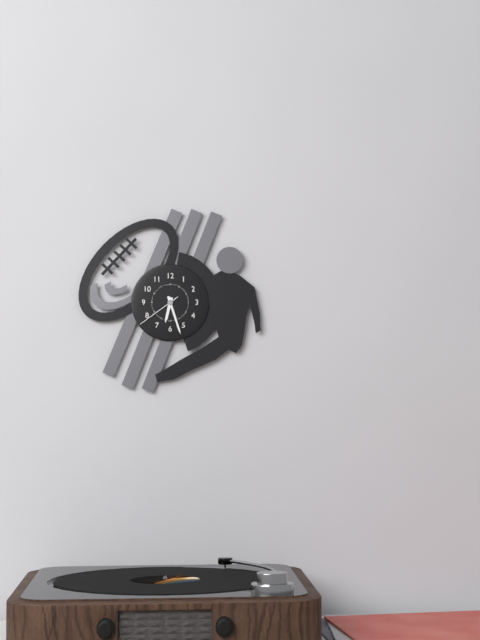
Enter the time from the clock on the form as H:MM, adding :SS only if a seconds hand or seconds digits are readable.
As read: 6:27
